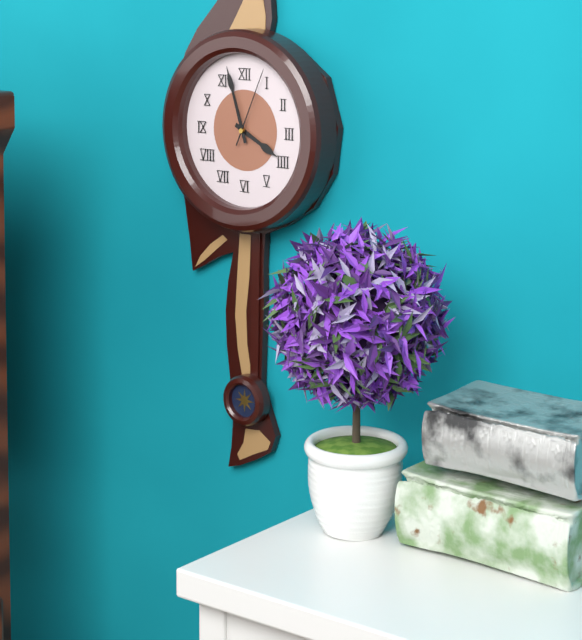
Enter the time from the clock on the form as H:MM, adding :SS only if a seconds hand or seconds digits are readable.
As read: 3:57:04
